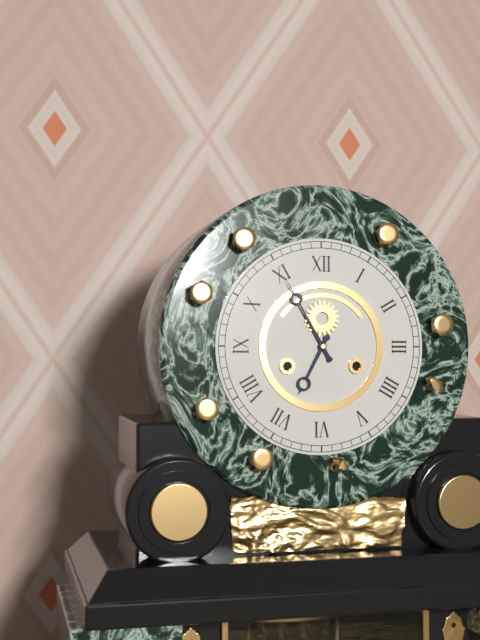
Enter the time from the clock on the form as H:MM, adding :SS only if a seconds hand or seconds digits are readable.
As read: 6:55
